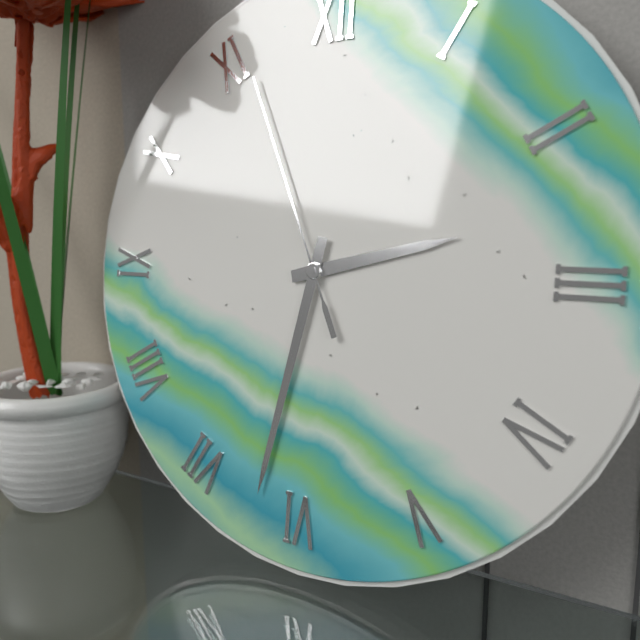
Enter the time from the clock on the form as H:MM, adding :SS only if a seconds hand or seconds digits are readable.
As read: 2:32:56
